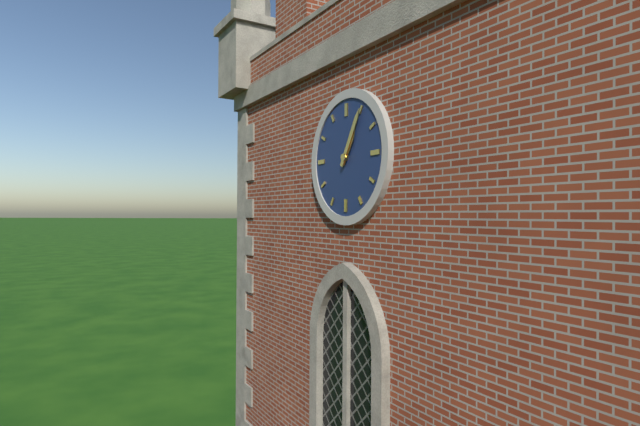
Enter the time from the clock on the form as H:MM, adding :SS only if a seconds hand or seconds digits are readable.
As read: 1:05
